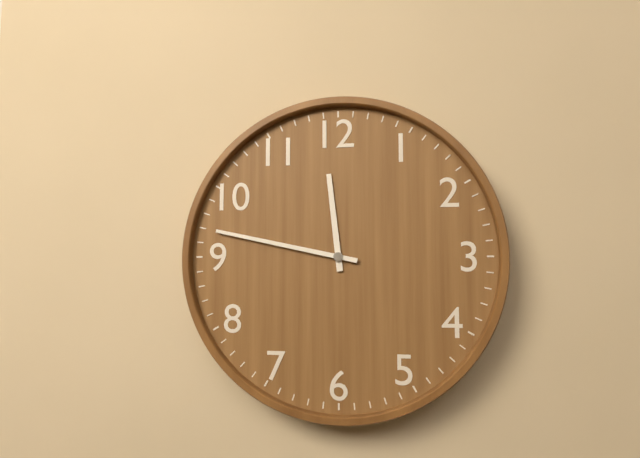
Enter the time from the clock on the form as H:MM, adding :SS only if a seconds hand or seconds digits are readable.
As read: 11:47
